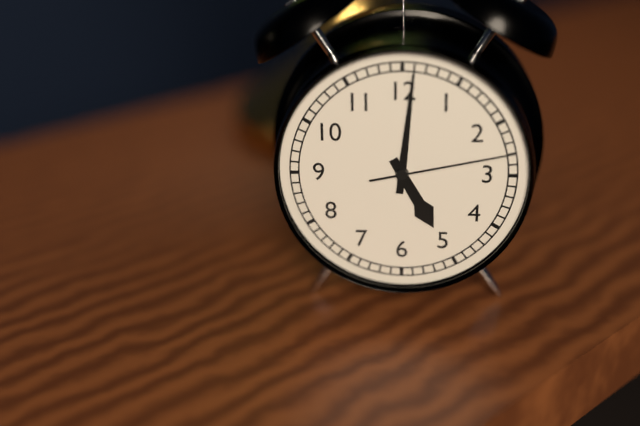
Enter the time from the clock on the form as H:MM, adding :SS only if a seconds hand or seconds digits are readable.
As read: 5:01:13
